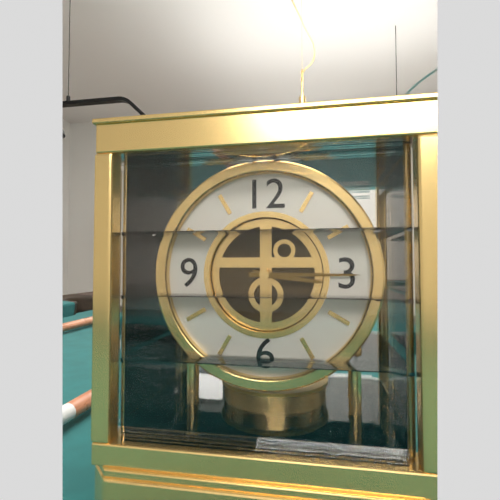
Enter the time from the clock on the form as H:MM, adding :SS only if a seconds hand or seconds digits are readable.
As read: 3:15
